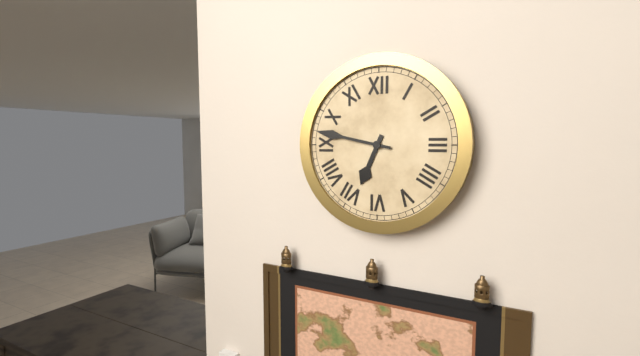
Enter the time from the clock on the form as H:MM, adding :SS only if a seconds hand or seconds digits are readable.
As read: 6:47
